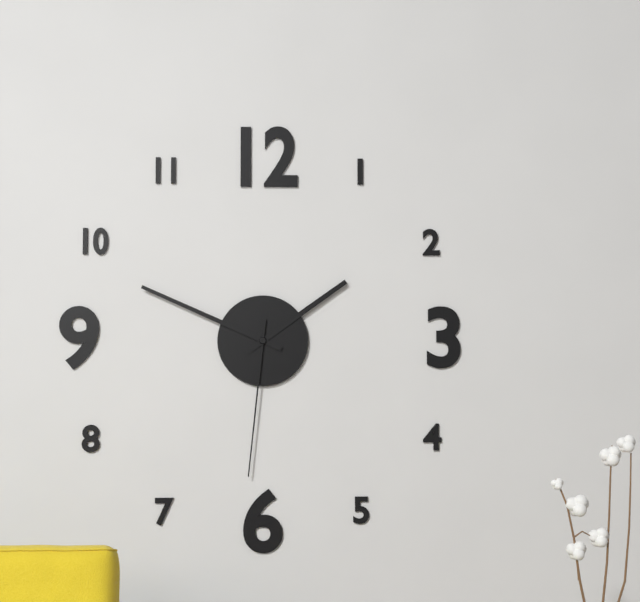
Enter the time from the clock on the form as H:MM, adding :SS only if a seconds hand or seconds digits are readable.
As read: 1:49:31
